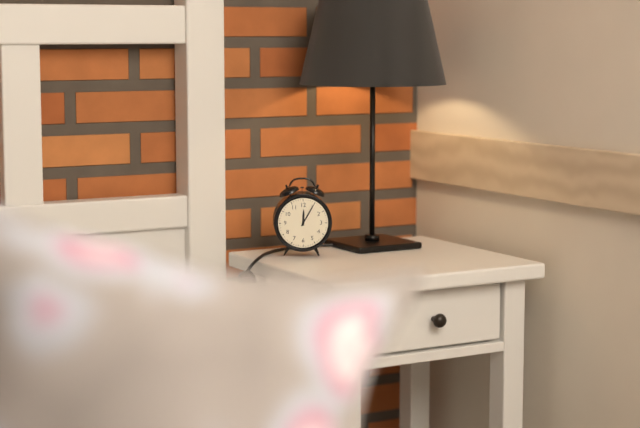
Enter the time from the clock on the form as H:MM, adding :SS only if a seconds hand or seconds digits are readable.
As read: 12:05
